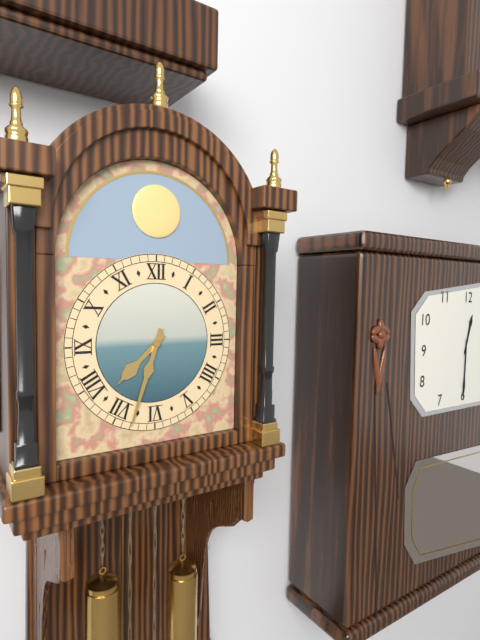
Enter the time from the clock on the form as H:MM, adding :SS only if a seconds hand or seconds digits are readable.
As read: 7:33
